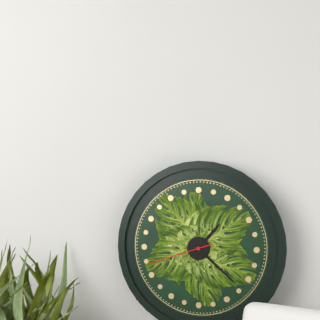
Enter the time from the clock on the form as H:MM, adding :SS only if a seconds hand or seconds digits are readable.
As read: 1:22:42
